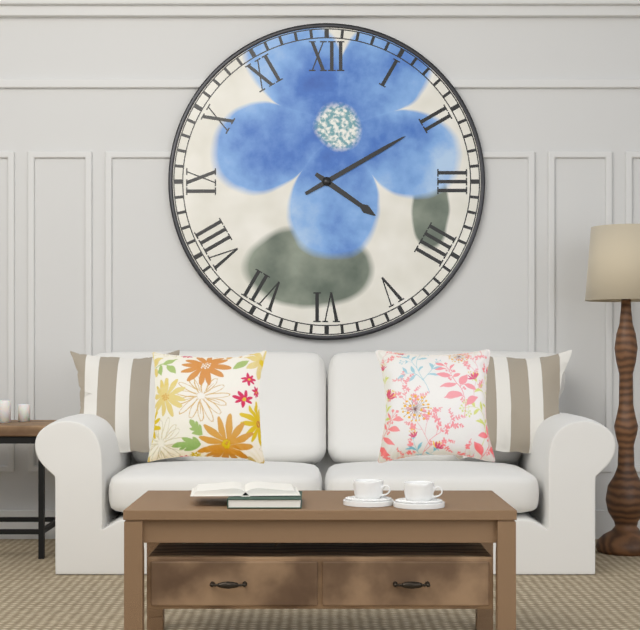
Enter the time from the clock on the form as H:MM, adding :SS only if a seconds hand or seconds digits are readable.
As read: 4:10
